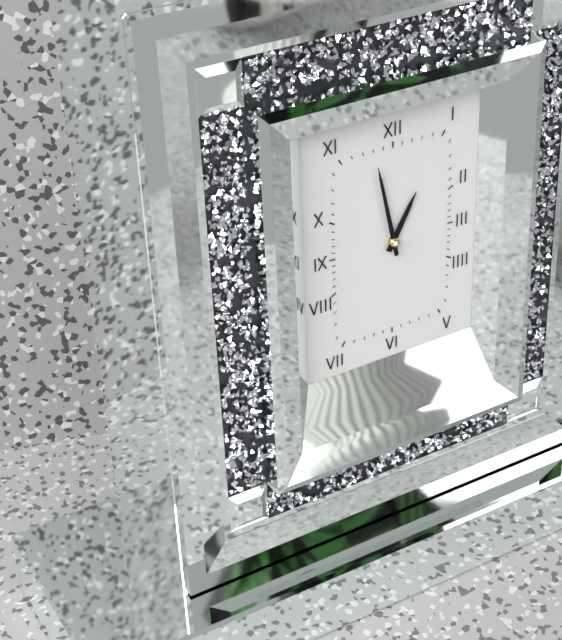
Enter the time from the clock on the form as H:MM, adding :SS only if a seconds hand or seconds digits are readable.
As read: 12:58
